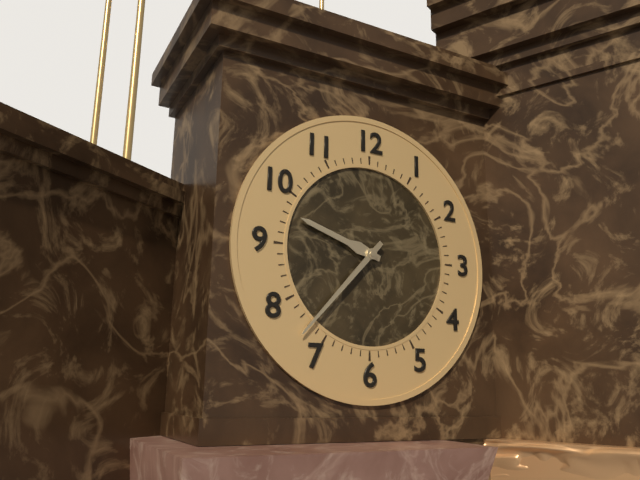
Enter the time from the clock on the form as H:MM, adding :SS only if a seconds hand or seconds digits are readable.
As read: 9:37
